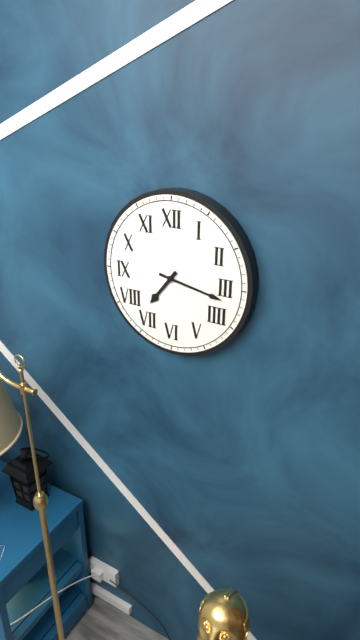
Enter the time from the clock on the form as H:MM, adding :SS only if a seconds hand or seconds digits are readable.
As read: 7:17
